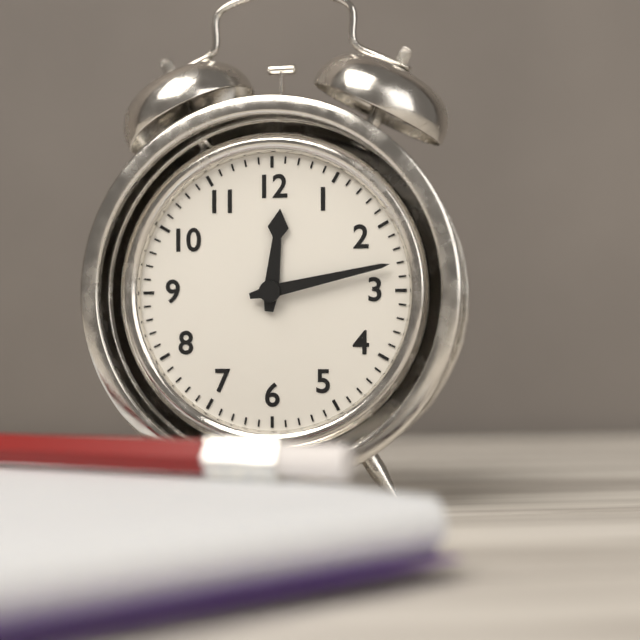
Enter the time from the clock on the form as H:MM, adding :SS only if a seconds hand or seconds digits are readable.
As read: 12:13
